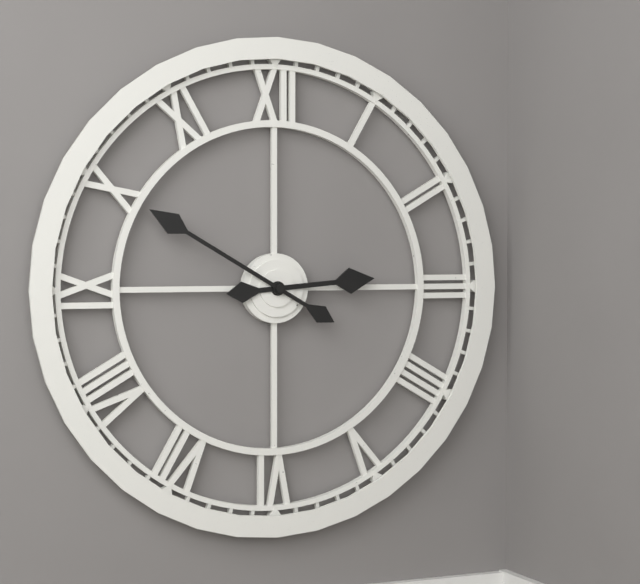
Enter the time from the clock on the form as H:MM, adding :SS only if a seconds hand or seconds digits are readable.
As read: 2:50
